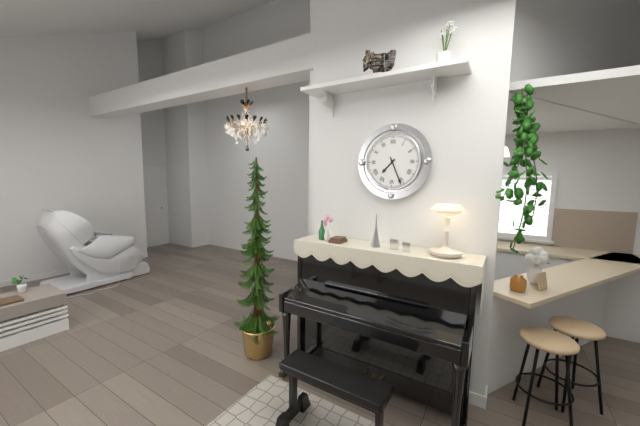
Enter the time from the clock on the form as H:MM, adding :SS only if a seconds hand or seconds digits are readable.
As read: 7:26
